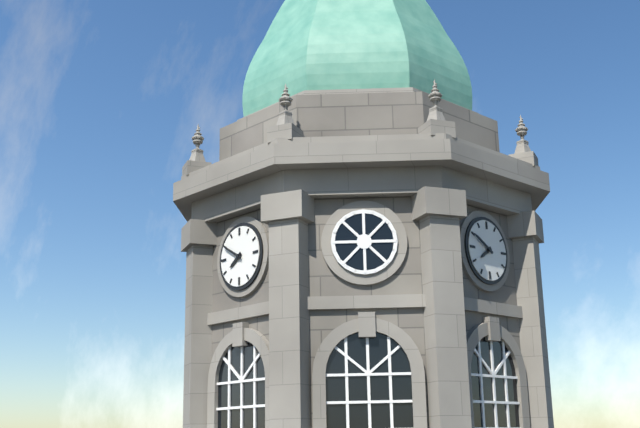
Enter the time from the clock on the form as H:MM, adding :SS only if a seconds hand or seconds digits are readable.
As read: 7:50
